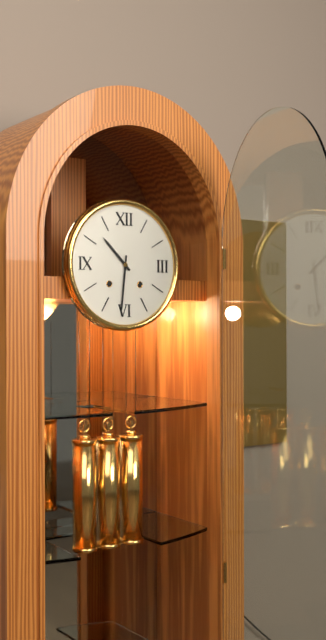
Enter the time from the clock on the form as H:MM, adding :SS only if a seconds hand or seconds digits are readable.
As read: 10:31
